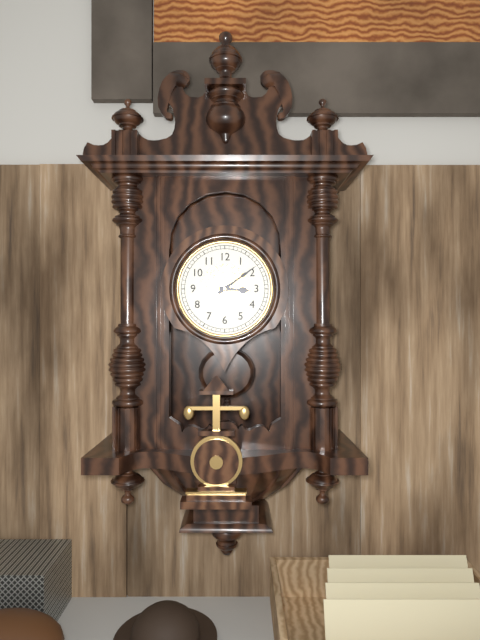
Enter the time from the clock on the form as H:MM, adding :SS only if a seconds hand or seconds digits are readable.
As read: 3:09
